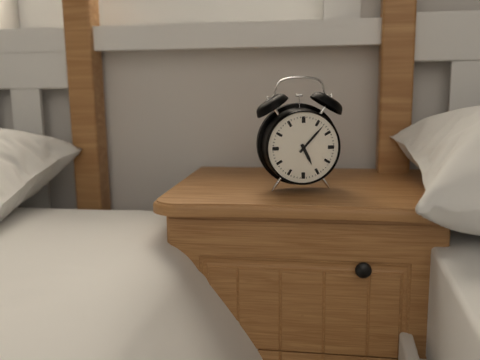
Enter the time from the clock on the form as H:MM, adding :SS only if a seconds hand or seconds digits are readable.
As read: 5:07
